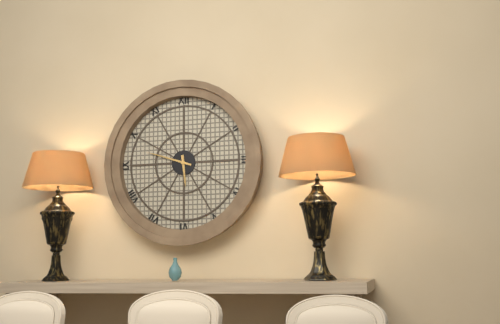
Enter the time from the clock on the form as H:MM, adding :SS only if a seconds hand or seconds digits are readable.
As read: 5:48
